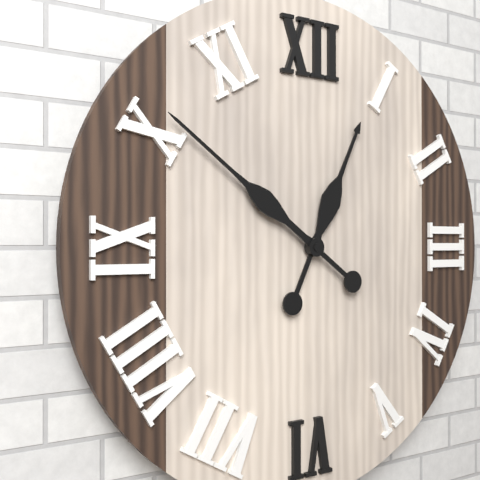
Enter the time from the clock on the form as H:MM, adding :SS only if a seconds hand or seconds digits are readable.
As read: 12:51
